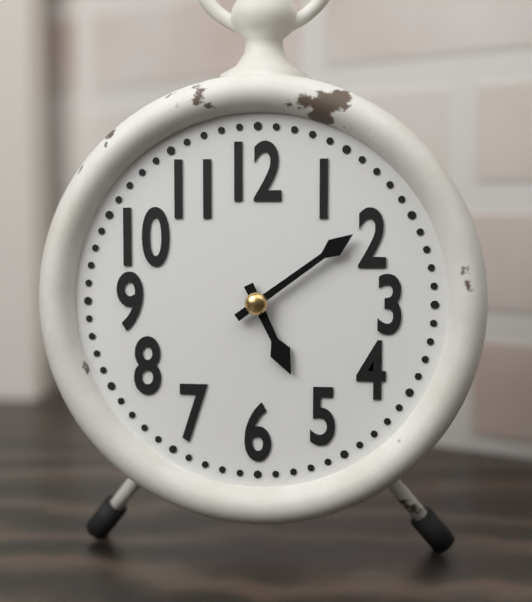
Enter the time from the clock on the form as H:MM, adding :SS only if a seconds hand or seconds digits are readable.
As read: 5:09
